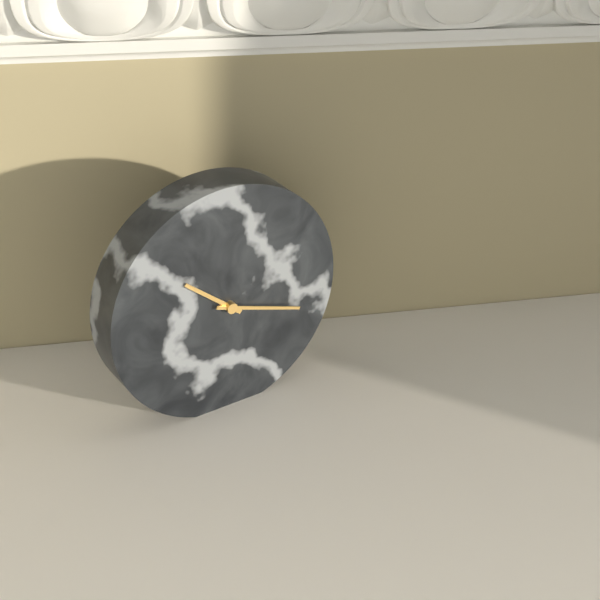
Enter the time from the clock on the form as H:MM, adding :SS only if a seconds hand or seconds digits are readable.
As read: 10:18
